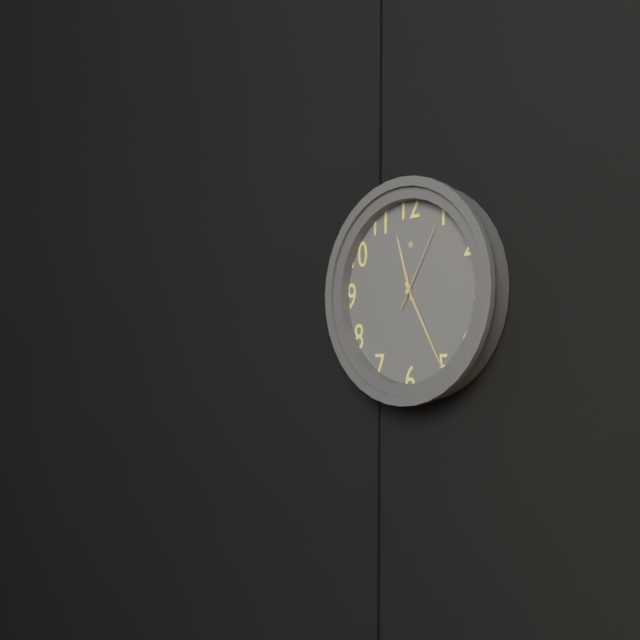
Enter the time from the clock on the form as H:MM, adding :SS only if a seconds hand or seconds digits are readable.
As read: 11:25:05
